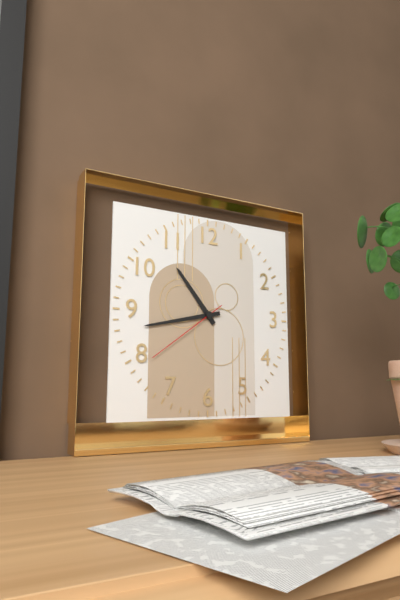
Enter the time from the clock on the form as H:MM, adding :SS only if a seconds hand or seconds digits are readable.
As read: 10:43:39
